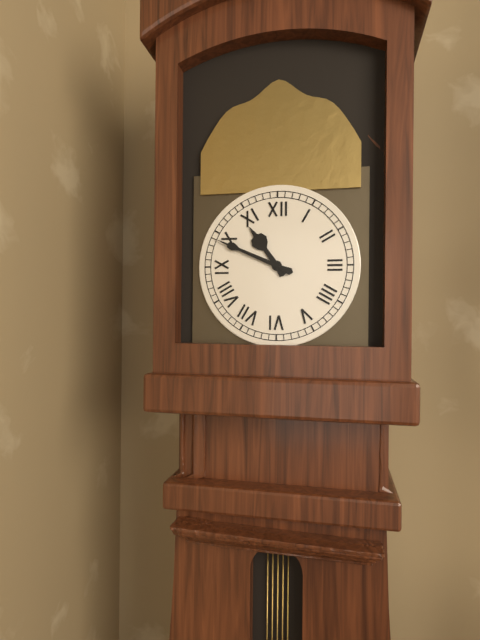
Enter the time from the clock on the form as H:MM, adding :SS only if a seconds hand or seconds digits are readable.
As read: 10:49
